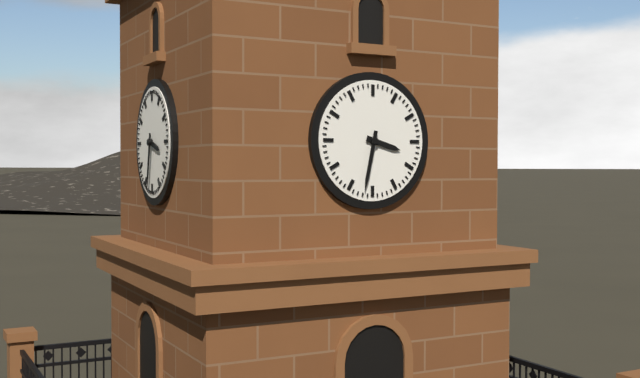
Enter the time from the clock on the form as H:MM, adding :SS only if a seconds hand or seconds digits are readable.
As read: 3:32
